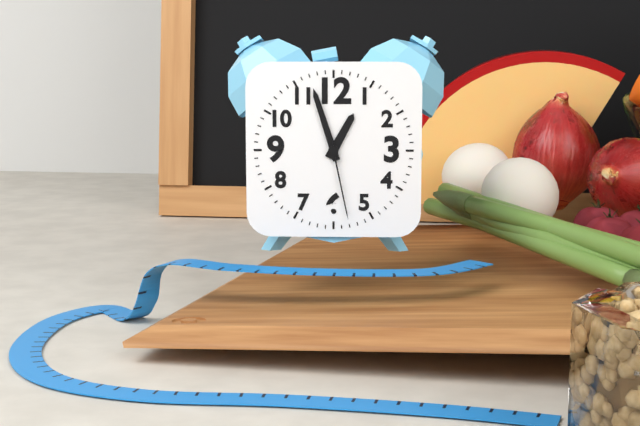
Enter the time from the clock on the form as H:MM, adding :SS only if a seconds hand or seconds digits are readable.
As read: 12:57:28
